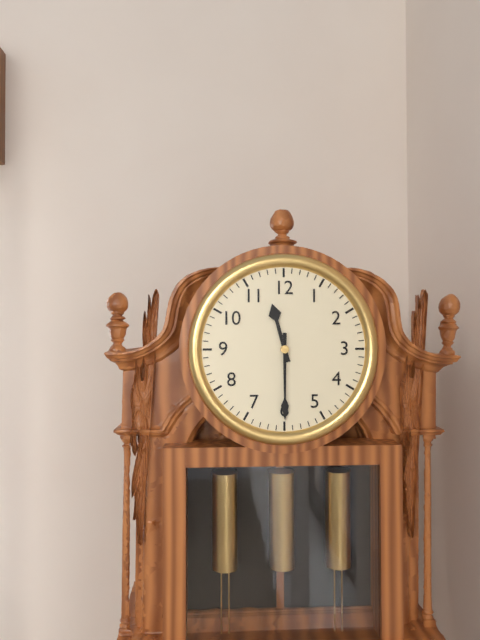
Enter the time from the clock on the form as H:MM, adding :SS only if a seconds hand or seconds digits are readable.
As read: 11:30
